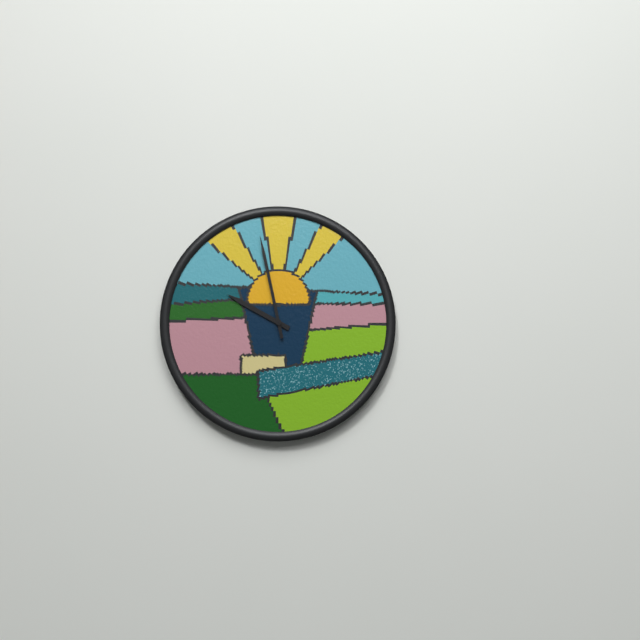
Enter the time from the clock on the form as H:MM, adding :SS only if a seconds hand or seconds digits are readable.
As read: 9:58
